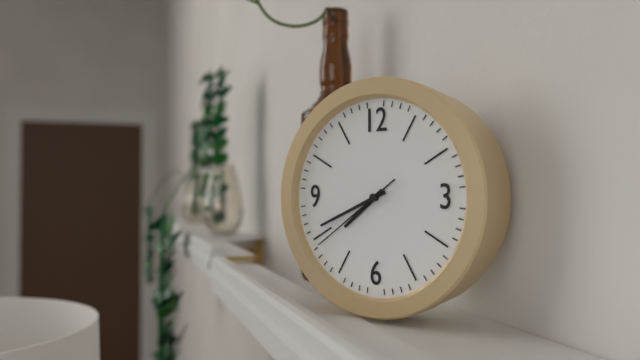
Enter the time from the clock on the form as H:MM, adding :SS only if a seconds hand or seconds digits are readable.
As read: 7:41:39
